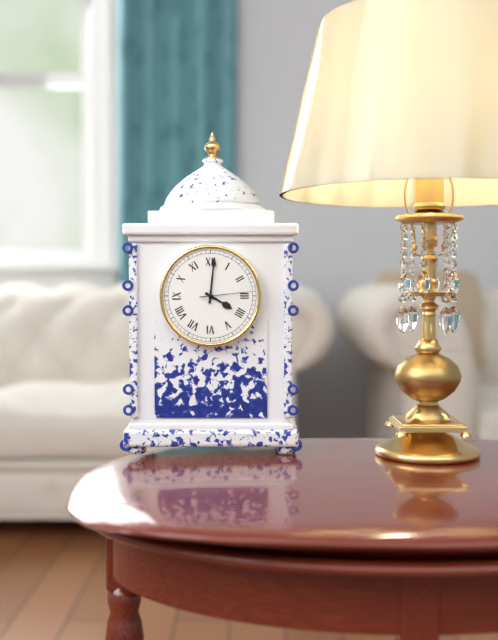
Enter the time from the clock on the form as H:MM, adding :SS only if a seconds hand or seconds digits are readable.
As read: 4:01:14
